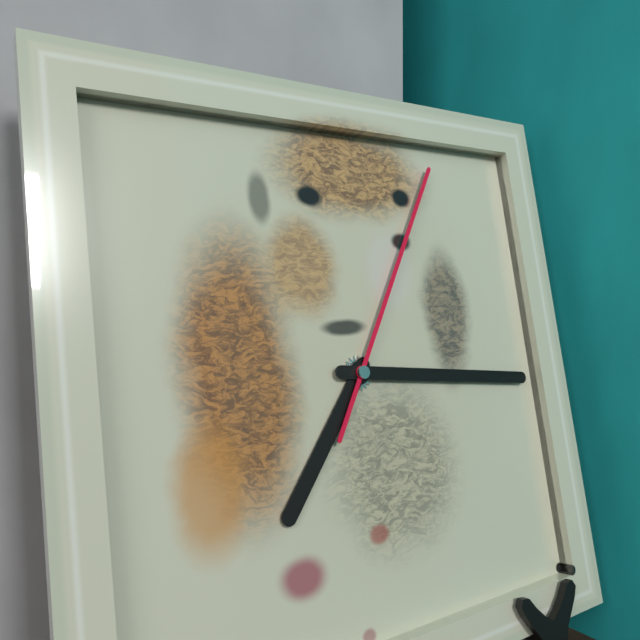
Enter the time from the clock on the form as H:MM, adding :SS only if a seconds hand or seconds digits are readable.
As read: 7:16:05
